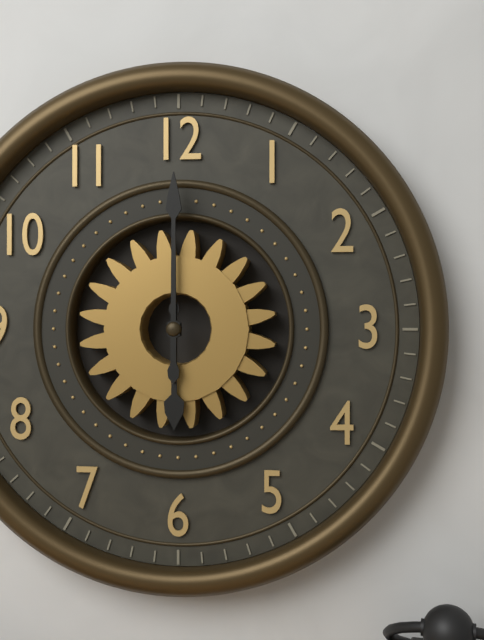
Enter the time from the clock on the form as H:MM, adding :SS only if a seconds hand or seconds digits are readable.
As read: 6:00
